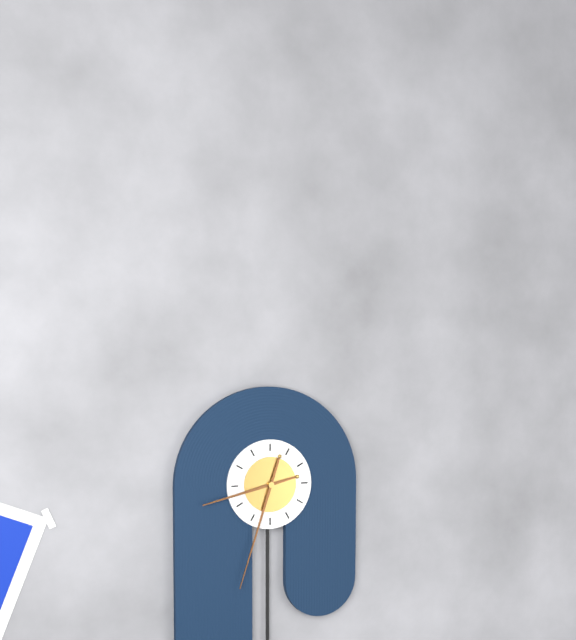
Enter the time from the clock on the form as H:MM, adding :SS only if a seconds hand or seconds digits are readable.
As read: 8:33
